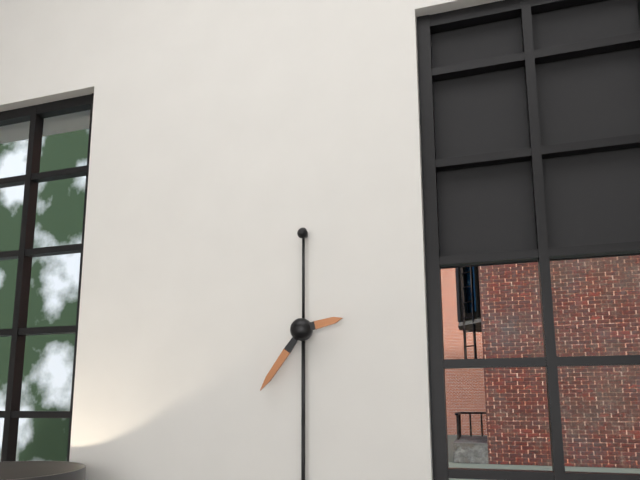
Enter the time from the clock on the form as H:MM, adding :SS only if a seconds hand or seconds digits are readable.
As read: 2:36
